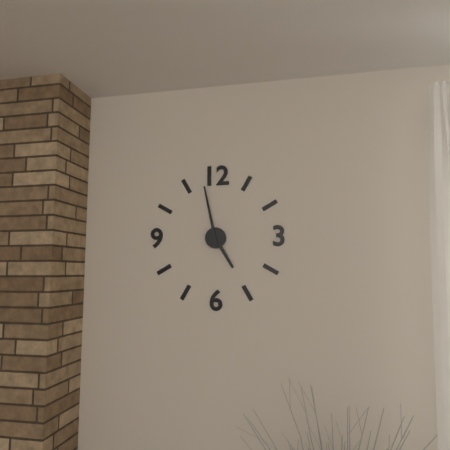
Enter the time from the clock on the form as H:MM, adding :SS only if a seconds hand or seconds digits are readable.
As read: 4:58
